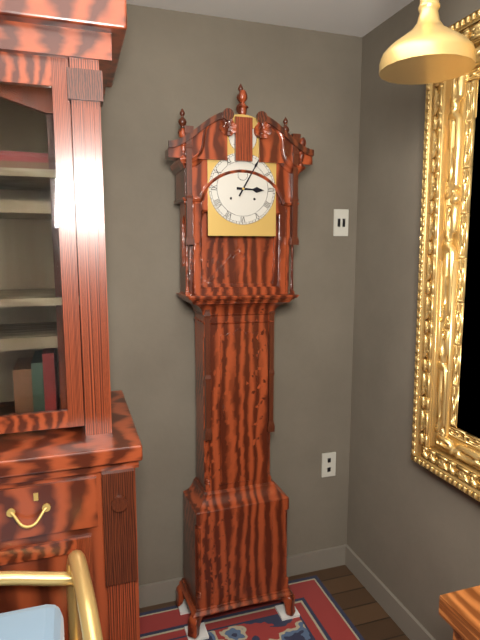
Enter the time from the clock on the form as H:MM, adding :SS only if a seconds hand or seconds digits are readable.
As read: 3:05
